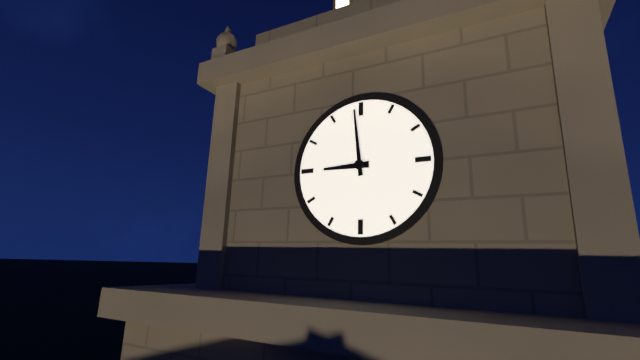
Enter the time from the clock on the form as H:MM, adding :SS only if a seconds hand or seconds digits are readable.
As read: 8:59
